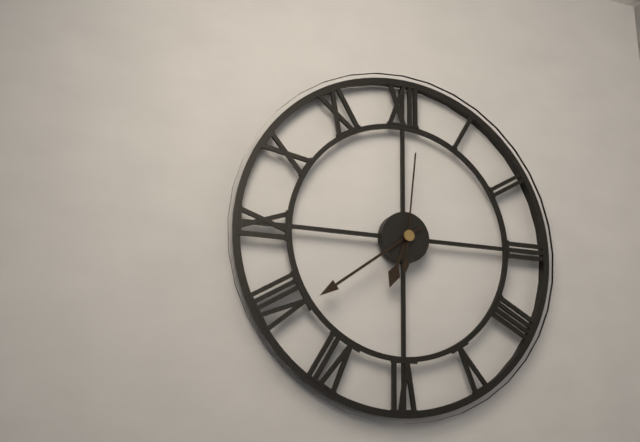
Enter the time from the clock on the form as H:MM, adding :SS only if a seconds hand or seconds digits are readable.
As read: 6:39:01
